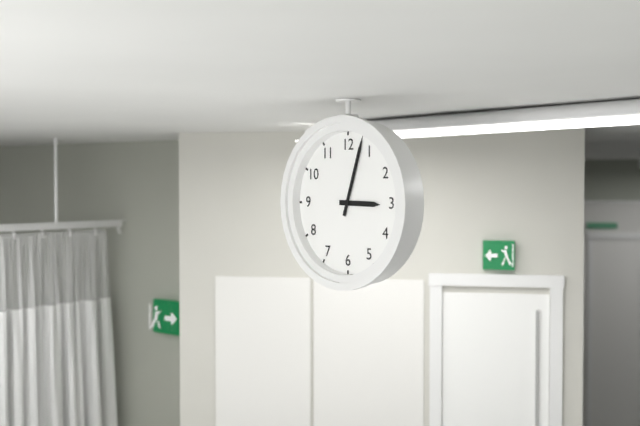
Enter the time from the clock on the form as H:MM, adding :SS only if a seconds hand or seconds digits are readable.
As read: 3:03
